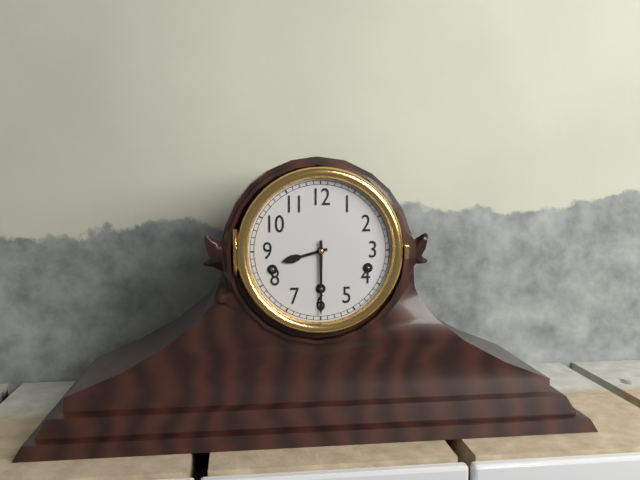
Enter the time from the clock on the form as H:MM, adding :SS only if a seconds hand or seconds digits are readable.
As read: 8:30
